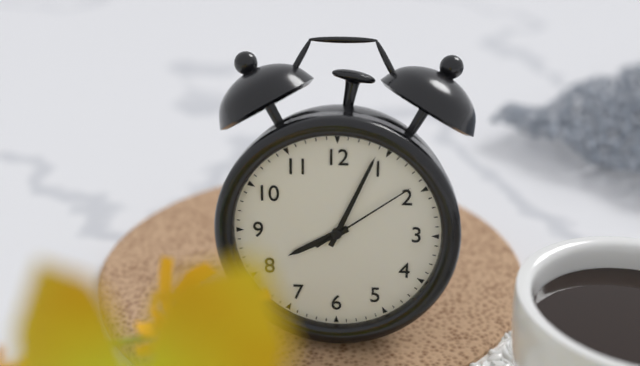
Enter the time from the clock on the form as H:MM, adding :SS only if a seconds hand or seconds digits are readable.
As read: 8:04:09
